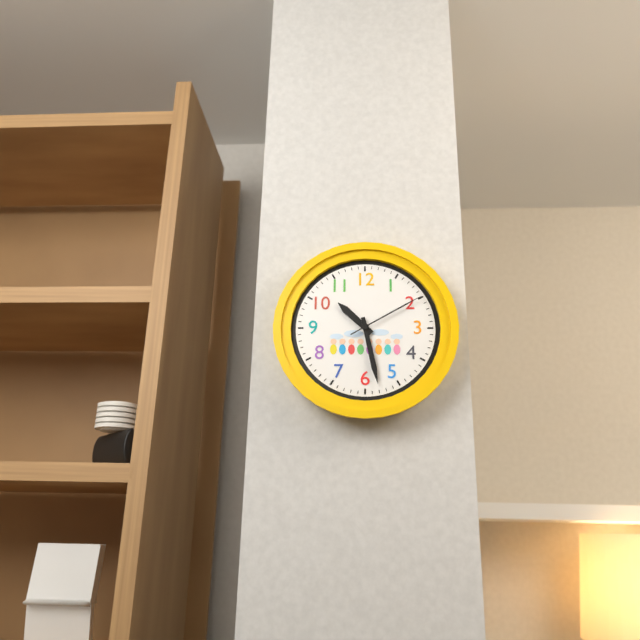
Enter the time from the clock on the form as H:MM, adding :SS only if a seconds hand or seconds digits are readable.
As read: 10:28:10
